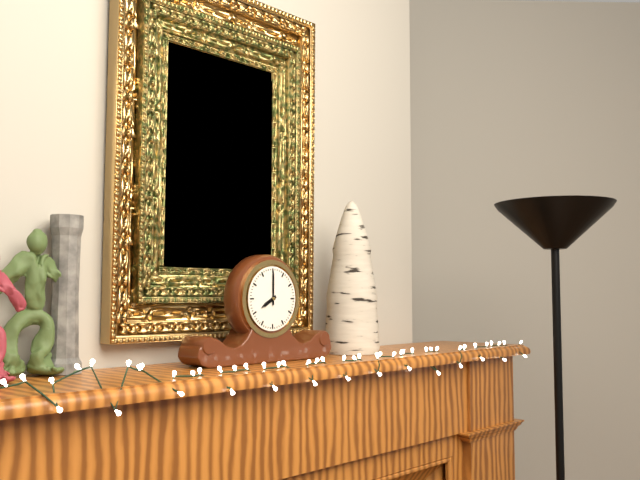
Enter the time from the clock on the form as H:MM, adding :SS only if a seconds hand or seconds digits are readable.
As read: 8:00
